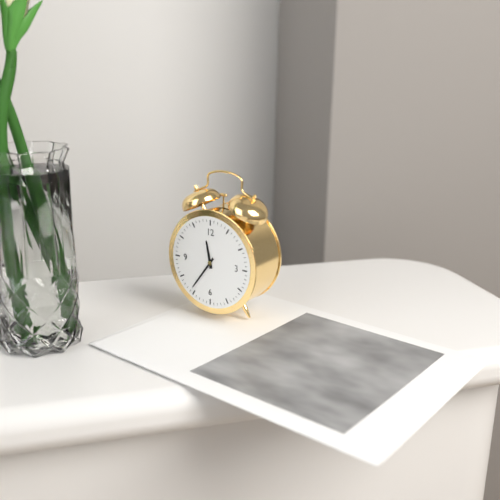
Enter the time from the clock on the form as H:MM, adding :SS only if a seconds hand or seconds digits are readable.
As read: 11:36
